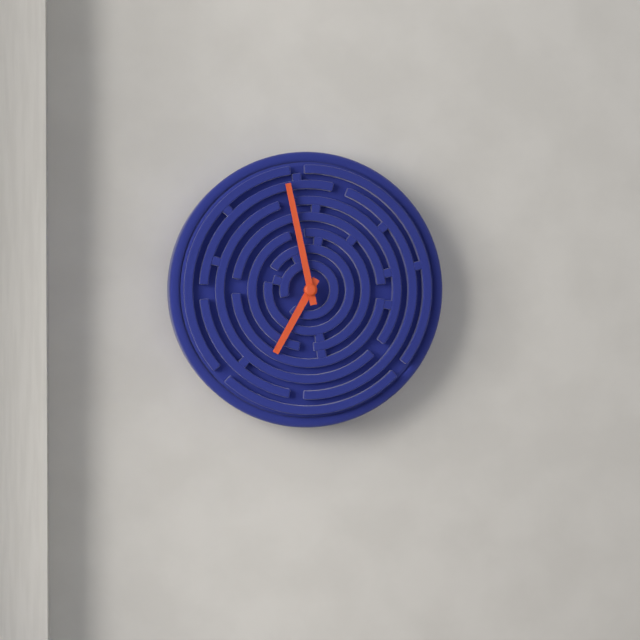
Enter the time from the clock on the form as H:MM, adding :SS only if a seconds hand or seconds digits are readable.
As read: 6:58
